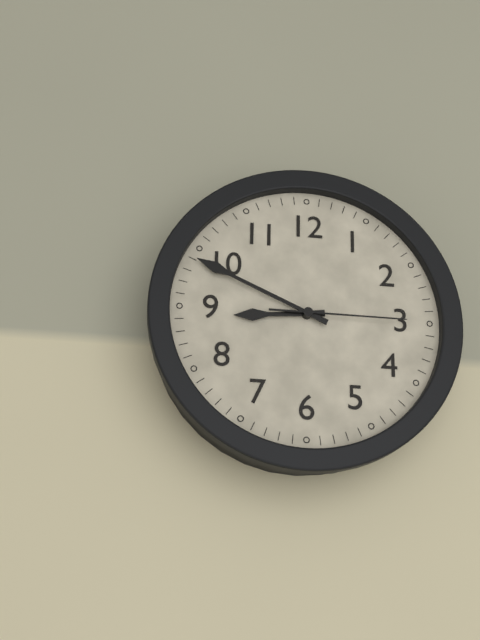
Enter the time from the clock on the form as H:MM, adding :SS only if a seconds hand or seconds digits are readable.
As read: 8:49:15
